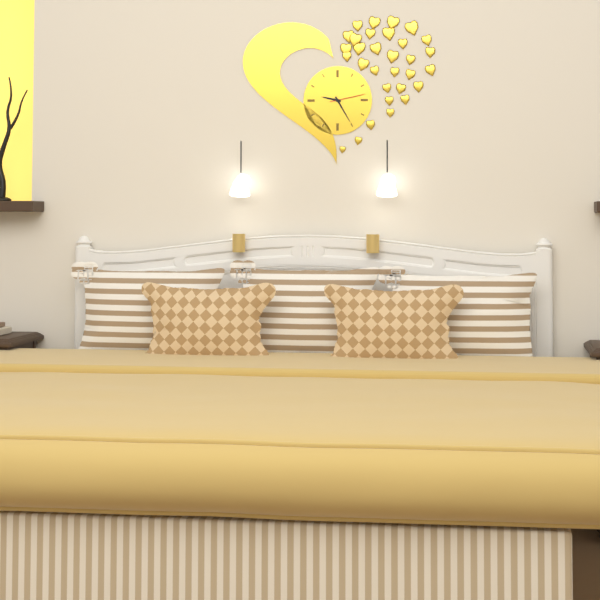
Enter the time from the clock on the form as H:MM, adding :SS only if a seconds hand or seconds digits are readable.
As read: 9:25
